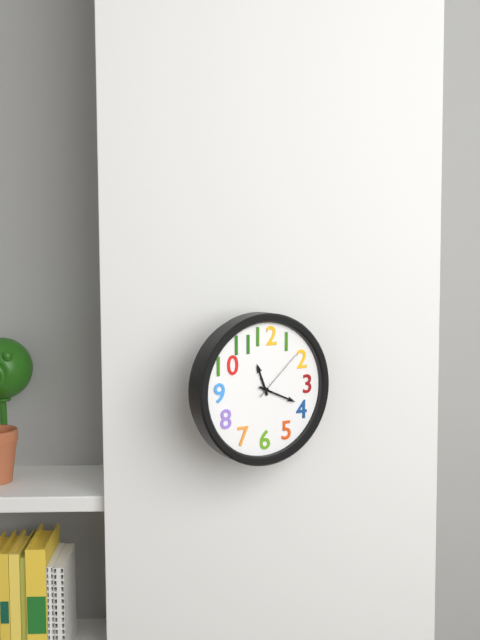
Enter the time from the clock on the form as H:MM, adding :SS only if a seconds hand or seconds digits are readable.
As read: 11:19:08
